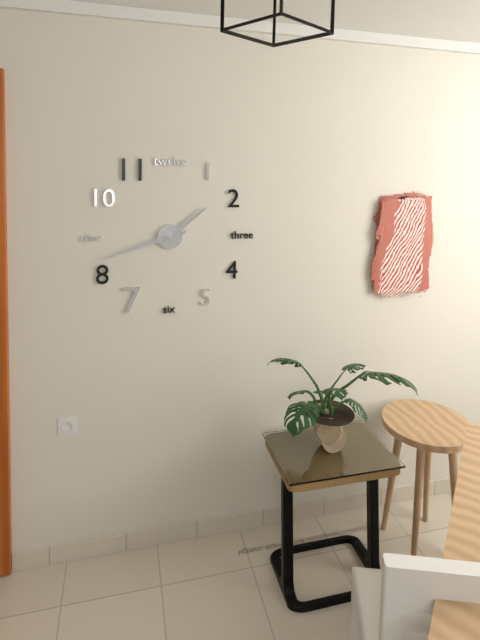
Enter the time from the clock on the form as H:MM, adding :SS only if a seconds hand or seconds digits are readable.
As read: 1:42
